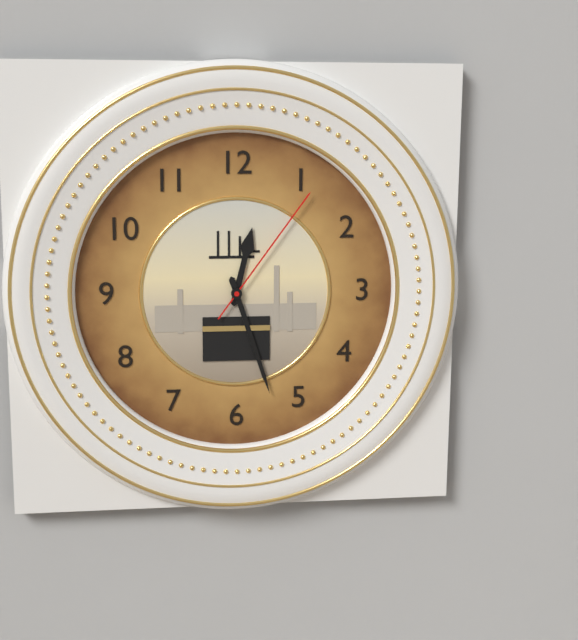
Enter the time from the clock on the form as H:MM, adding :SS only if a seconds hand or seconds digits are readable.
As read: 12:27:06
